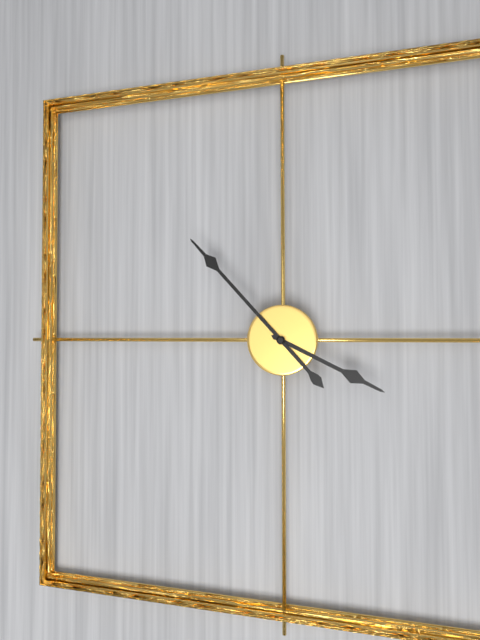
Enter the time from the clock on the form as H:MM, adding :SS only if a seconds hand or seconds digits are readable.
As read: 3:53
